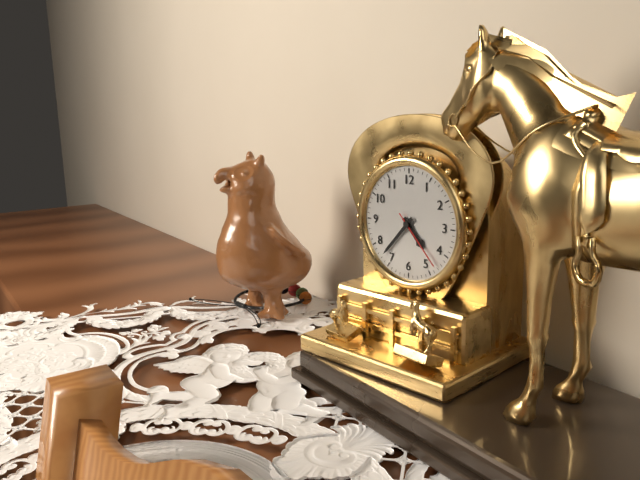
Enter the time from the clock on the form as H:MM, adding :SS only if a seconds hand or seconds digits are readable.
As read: 4:37:23
